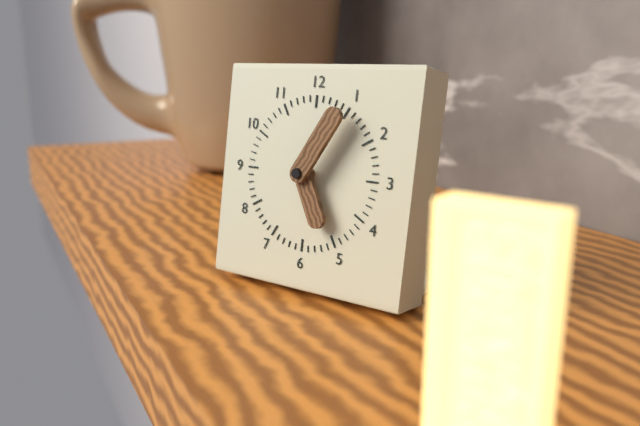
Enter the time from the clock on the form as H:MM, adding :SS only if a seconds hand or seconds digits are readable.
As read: 5:05
